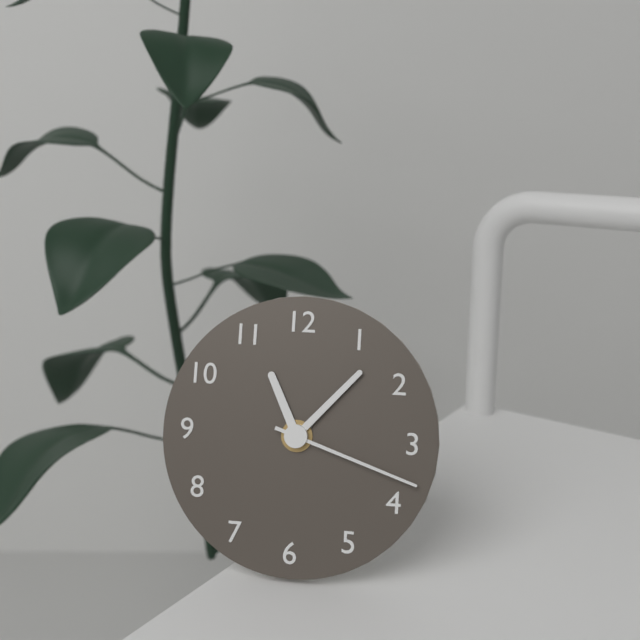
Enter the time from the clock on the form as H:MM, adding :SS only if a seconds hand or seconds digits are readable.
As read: 11:07:18
